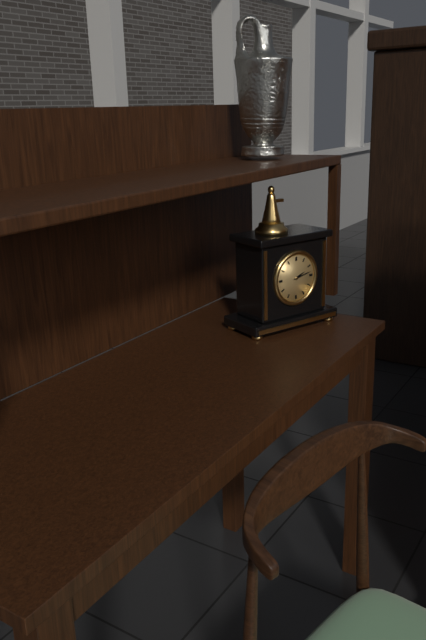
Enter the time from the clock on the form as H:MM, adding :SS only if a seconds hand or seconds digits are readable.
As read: 2:13
